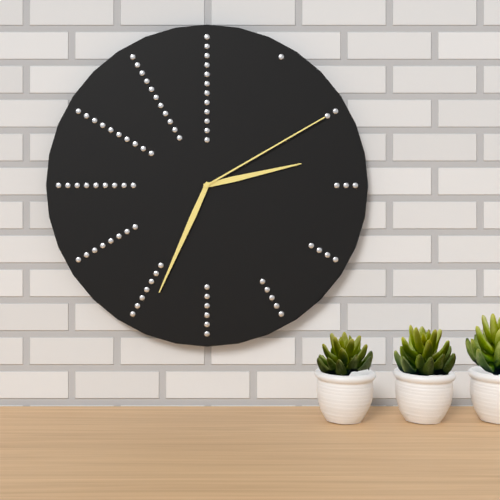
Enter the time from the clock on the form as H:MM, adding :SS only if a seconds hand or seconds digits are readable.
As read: 2:34:10
